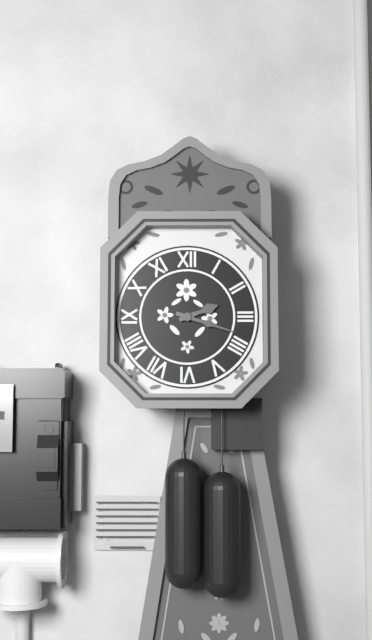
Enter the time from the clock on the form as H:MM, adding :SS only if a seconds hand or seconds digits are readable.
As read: 2:18
